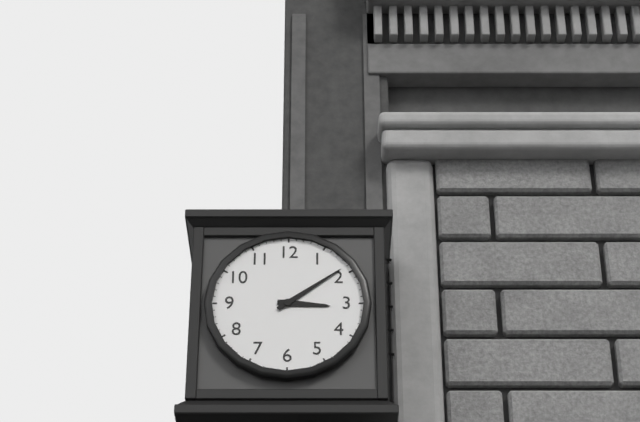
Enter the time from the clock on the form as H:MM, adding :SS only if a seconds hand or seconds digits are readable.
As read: 3:09
